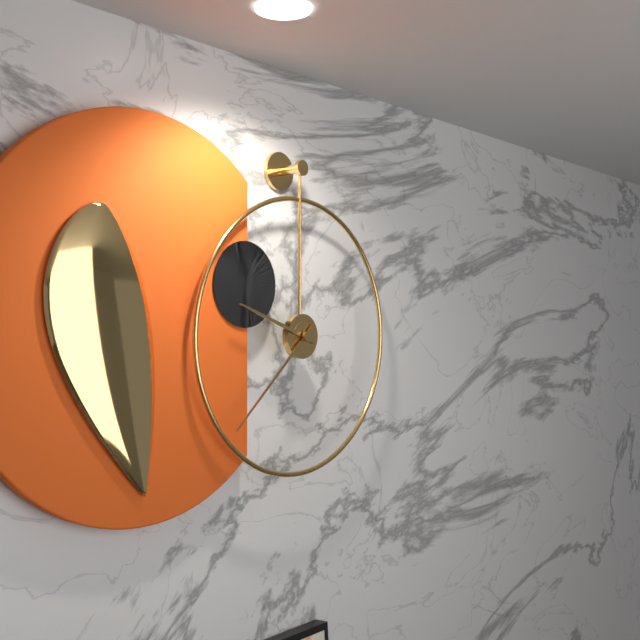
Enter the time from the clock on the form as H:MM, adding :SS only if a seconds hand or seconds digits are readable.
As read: 9:38
